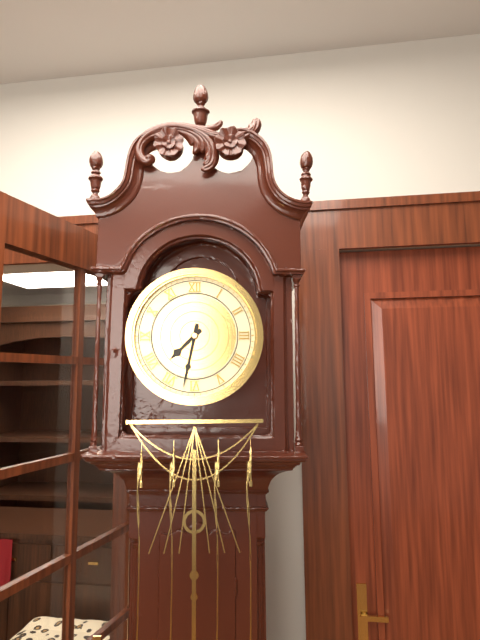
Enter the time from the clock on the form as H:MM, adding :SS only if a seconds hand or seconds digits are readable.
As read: 7:32
